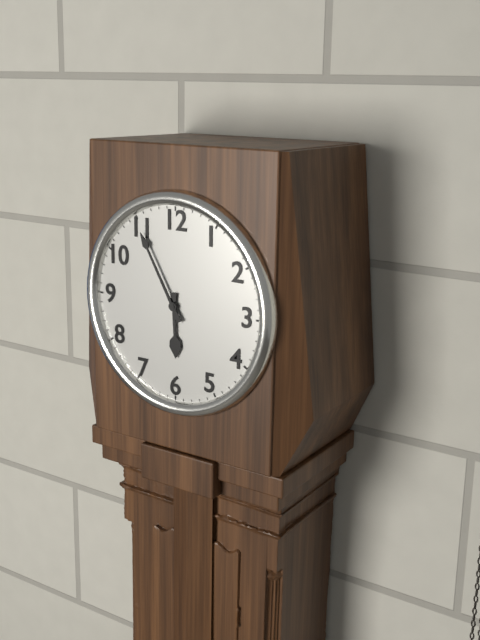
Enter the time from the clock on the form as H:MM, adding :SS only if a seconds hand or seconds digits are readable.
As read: 5:55
